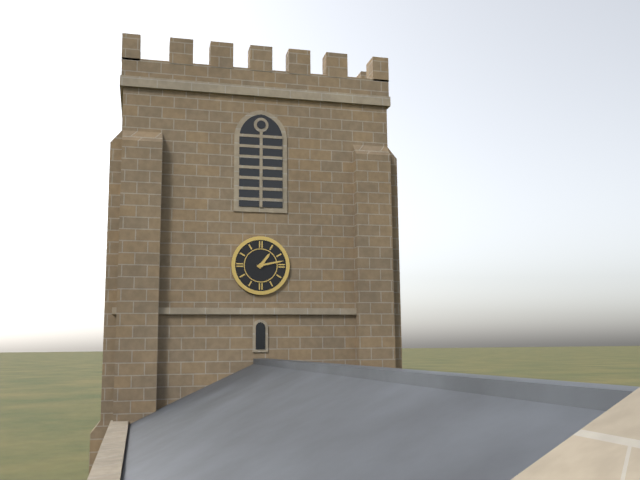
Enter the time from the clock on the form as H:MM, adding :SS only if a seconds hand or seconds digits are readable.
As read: 1:13
